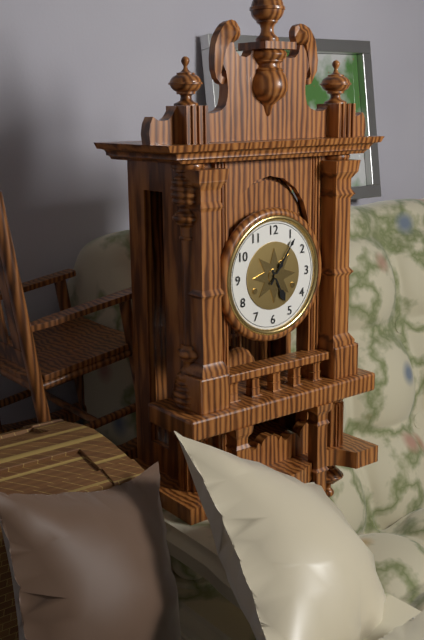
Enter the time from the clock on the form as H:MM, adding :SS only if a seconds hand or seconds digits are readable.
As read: 5:06
